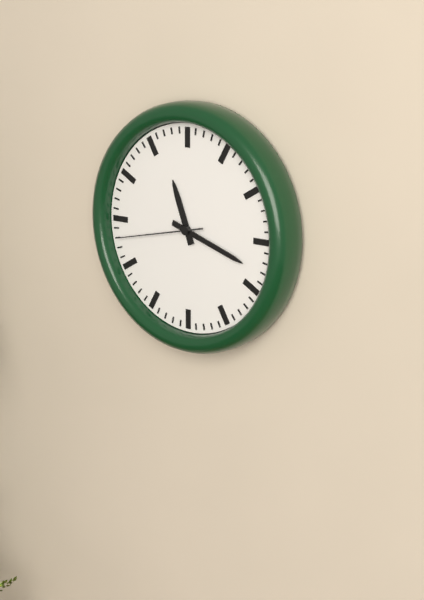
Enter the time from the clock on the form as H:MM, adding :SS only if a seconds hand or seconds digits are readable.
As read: 11:18:43
